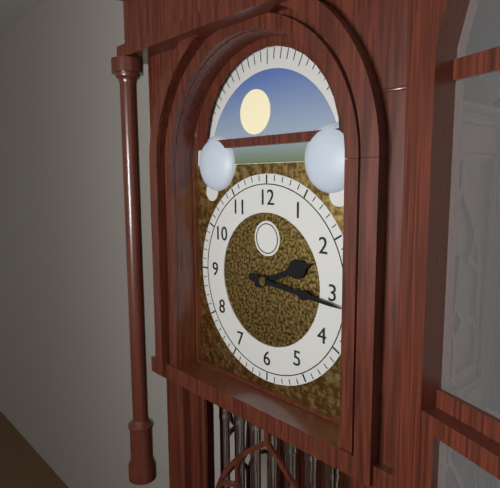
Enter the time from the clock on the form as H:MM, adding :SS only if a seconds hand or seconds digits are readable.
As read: 2:16
